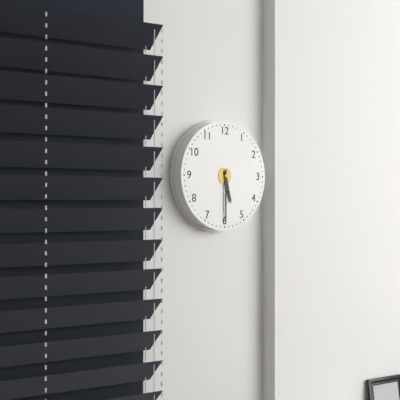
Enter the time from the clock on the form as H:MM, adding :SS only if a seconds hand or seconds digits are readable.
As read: 5:30
